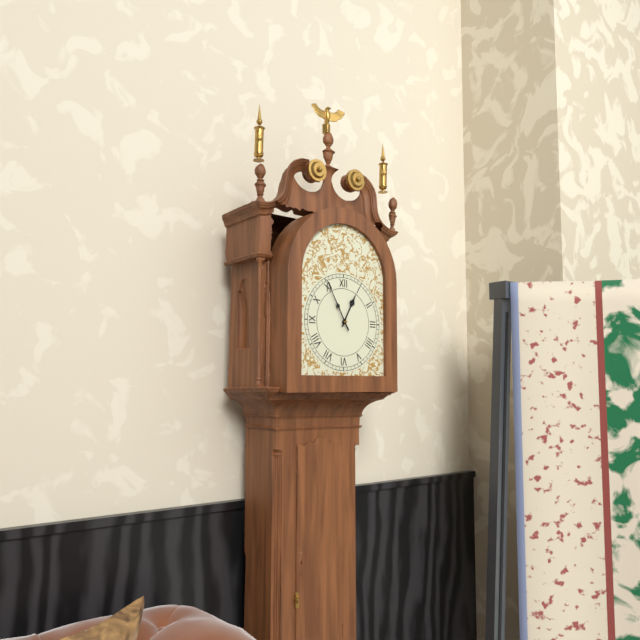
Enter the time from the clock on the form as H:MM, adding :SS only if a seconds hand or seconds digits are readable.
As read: 12:55
